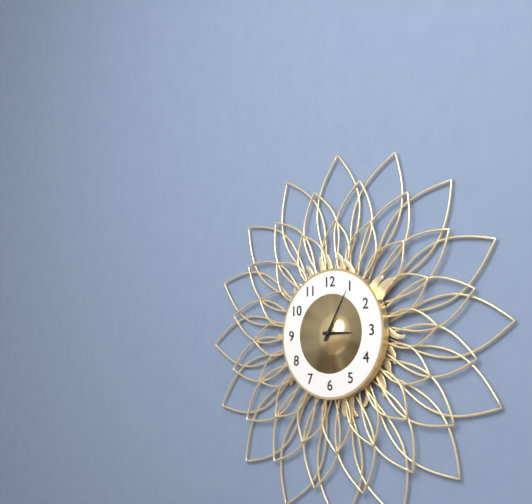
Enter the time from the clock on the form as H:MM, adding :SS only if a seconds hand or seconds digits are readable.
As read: 3:05
